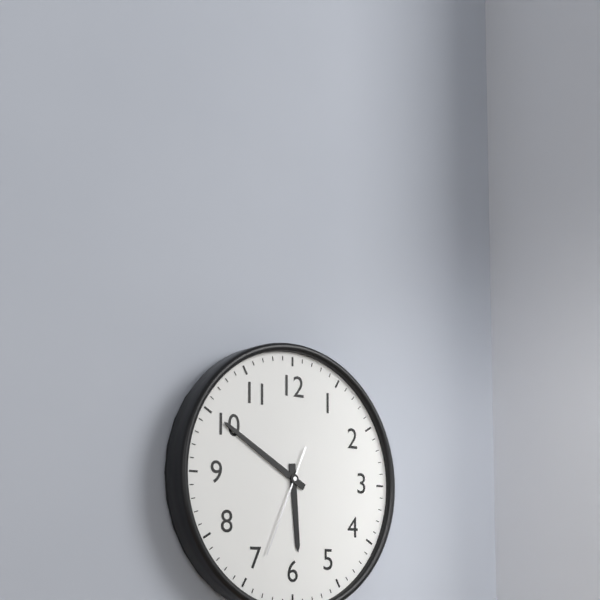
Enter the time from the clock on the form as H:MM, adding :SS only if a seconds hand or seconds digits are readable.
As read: 5:50:34
